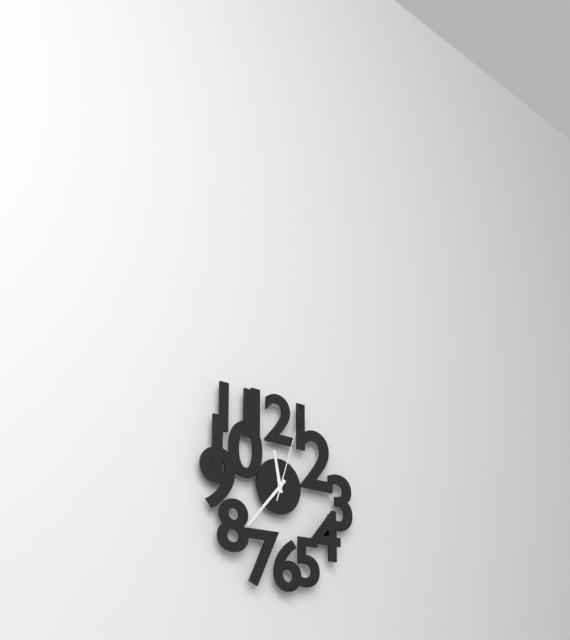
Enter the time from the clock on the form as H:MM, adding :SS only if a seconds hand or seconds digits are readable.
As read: 11:37:03
